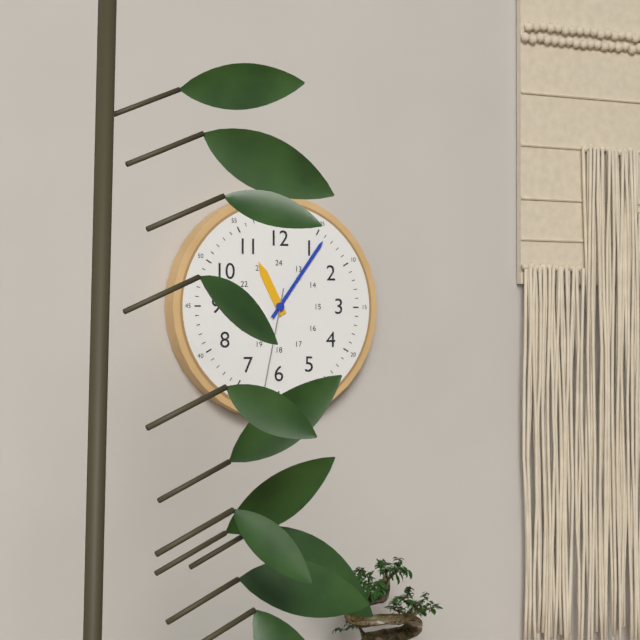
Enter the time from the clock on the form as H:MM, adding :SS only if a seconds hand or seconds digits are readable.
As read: 11:06:32
